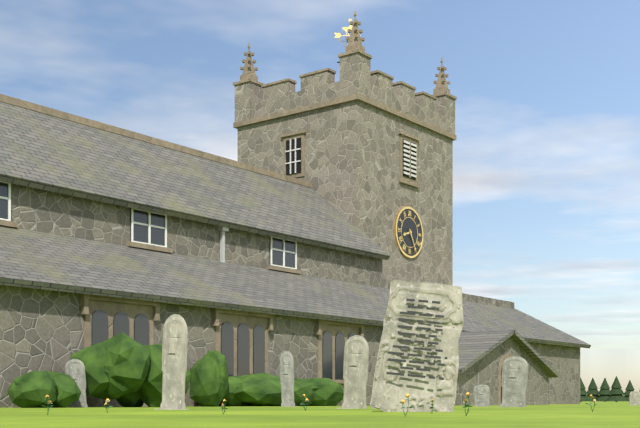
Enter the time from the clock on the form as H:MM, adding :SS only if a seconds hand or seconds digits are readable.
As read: 8:25
